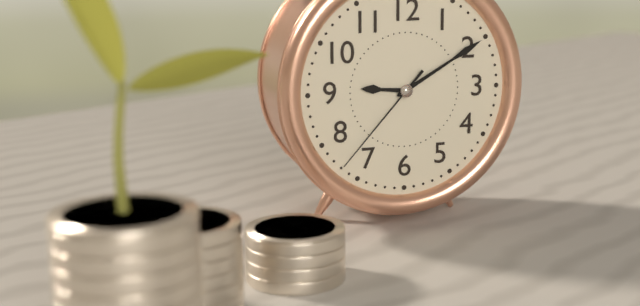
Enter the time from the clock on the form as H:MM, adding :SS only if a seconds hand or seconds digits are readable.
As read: 9:10:37
